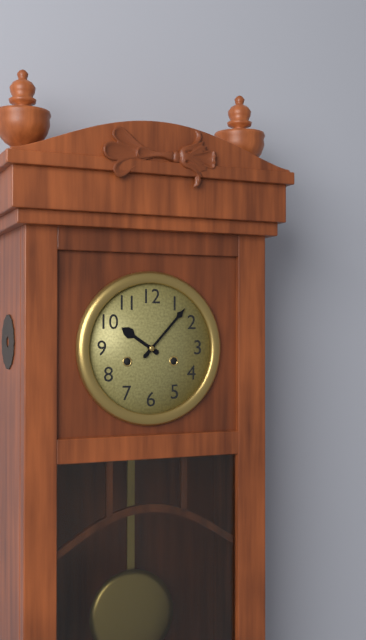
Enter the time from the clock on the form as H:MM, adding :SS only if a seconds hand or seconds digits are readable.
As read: 10:07
